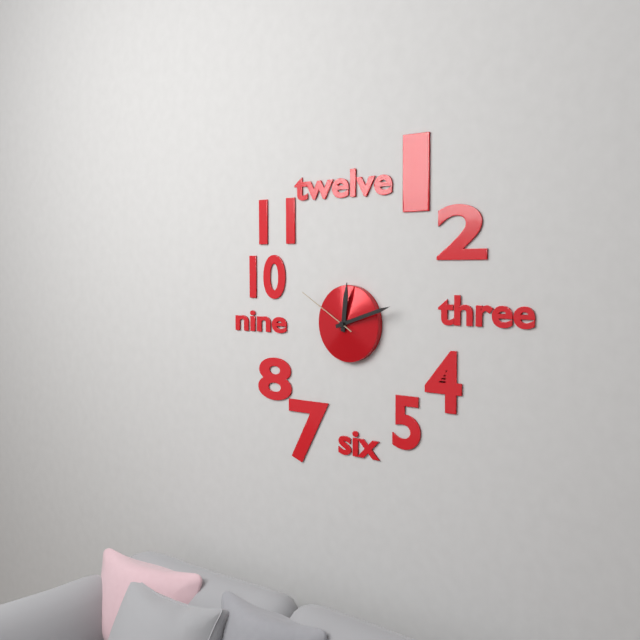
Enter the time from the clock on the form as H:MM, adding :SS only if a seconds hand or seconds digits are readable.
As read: 12:12:50
